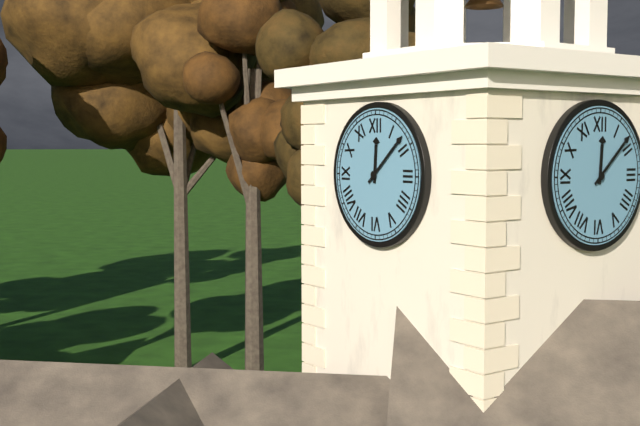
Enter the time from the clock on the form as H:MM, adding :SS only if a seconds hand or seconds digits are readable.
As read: 12:08
